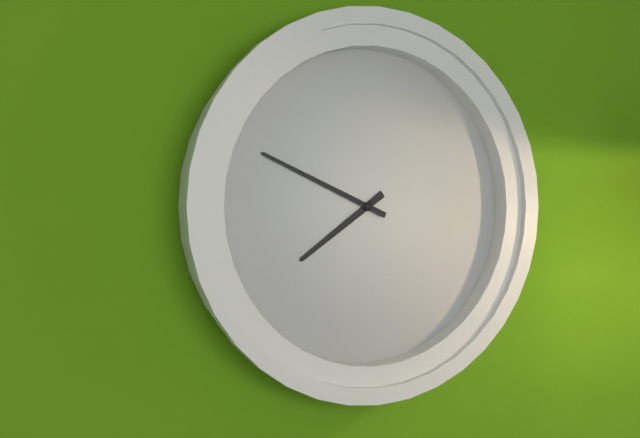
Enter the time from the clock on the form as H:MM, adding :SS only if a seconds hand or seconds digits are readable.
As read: 7:49
